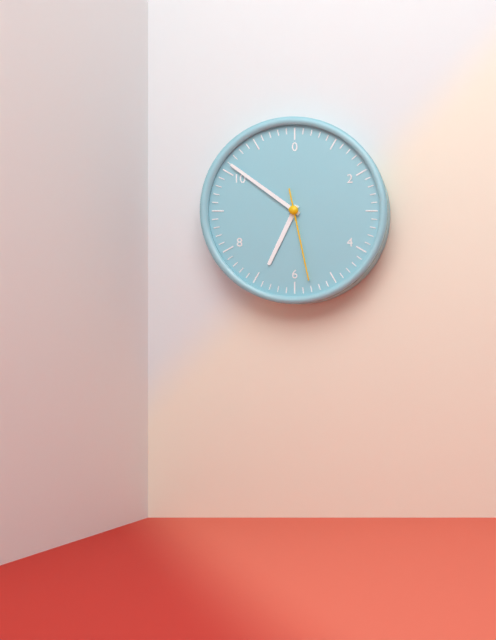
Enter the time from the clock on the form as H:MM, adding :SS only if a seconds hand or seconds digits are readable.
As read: 6:51:28
